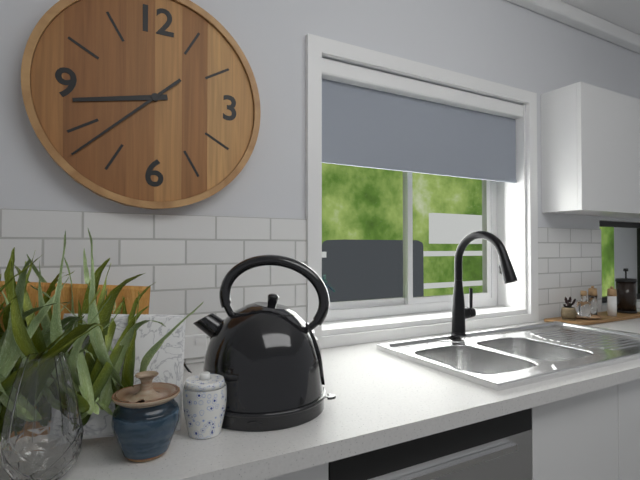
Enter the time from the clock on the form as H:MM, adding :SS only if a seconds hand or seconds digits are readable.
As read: 8:38
